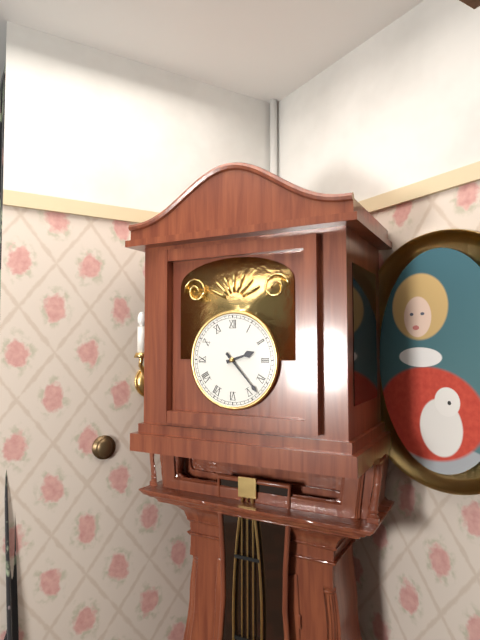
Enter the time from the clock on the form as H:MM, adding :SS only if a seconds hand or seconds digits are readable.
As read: 2:23
